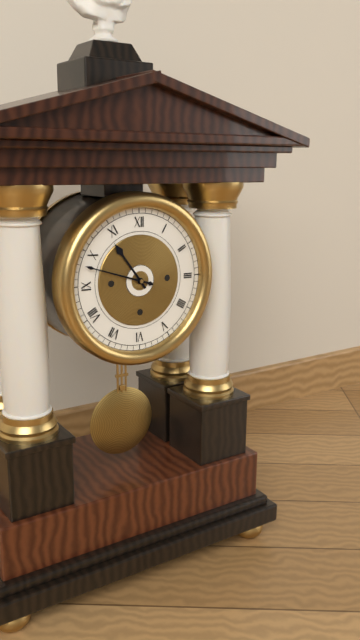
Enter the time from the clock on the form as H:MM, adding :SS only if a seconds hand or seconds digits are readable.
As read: 10:48
